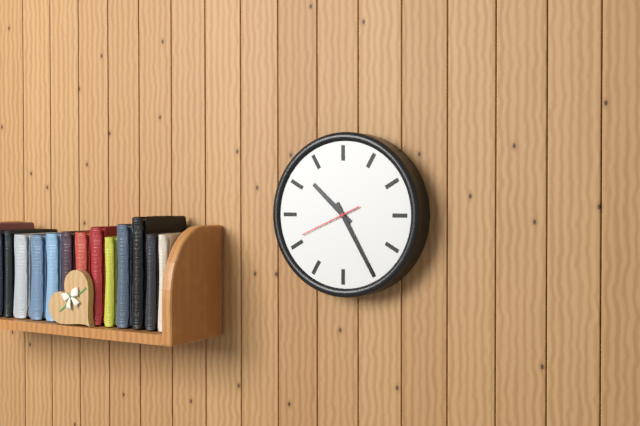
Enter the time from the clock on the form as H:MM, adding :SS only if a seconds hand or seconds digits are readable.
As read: 10:25:41
